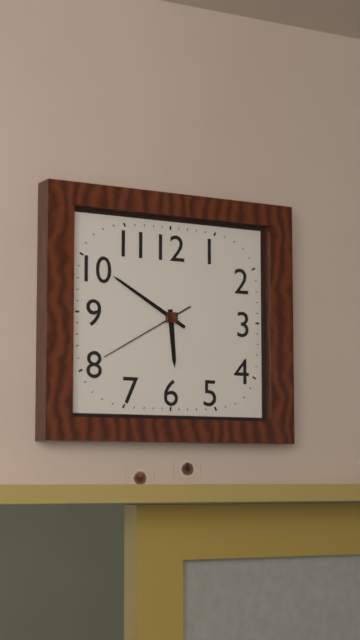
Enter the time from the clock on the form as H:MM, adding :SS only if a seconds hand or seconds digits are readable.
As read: 5:50:40
